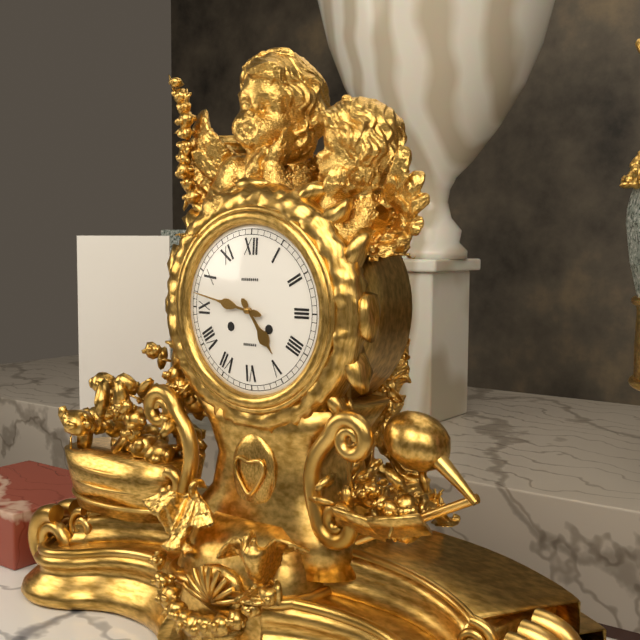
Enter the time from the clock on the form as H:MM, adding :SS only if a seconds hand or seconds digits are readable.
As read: 4:47
